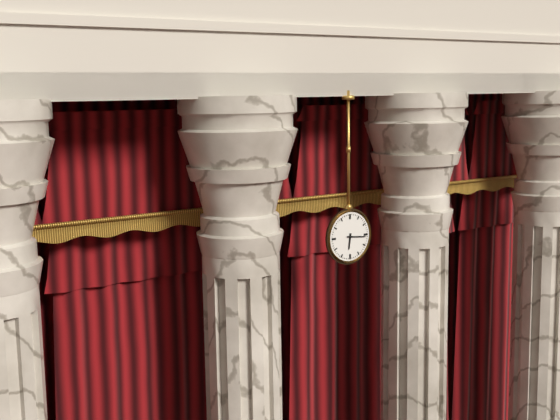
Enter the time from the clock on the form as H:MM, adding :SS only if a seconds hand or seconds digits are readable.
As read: 6:16
